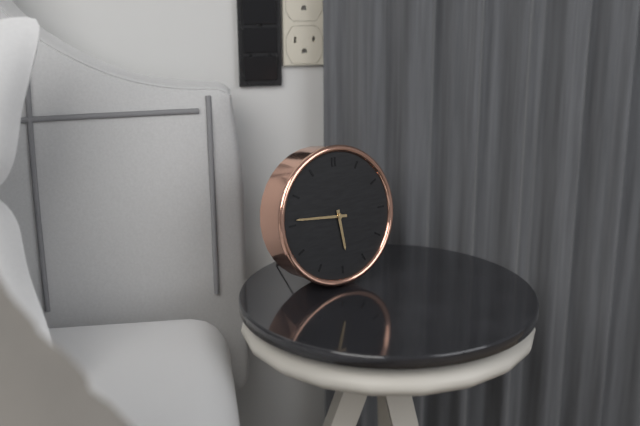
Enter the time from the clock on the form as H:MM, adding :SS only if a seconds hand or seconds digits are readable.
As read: 5:46
